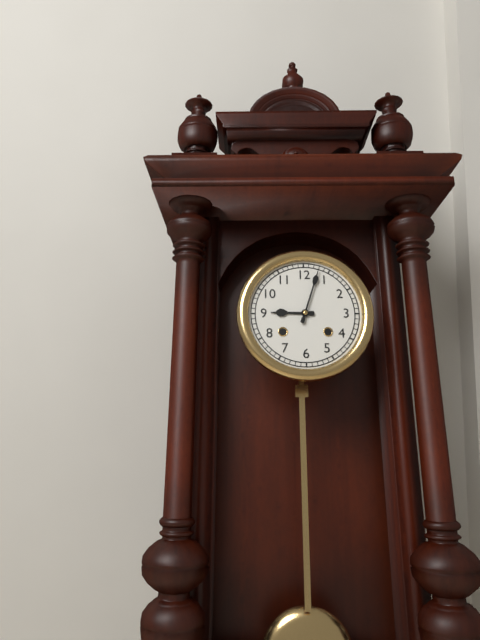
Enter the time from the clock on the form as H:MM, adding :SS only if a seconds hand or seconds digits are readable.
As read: 9:03
